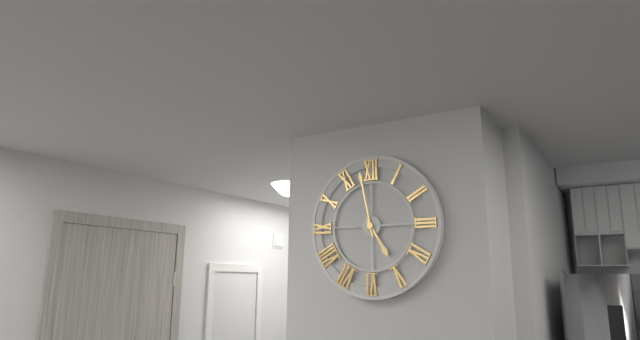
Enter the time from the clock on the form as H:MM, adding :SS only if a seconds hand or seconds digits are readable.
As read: 4:58
